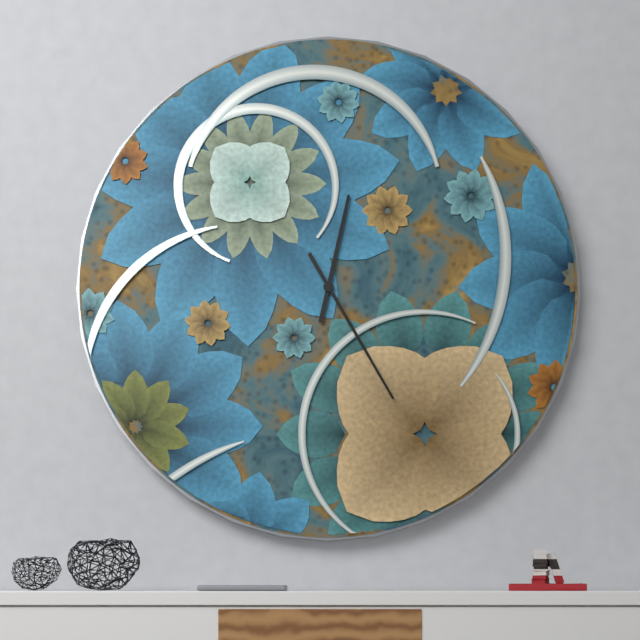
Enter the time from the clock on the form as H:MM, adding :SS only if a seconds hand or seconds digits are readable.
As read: 12:25
